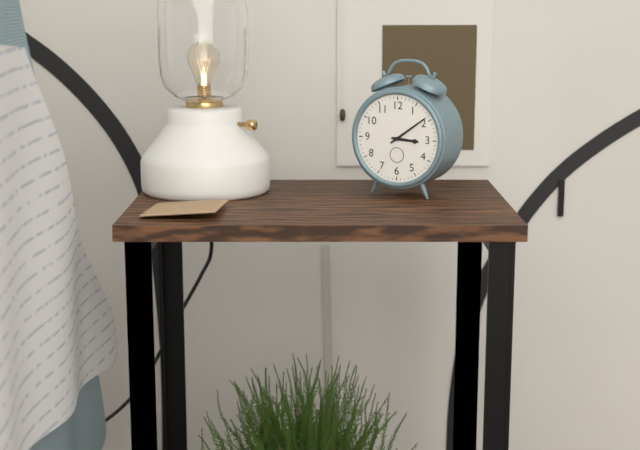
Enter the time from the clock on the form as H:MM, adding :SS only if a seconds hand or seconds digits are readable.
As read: 3:09
